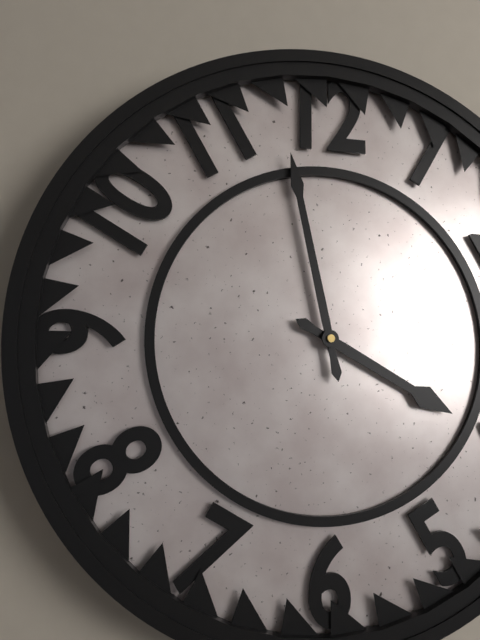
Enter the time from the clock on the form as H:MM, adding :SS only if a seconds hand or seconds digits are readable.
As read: 3:58
